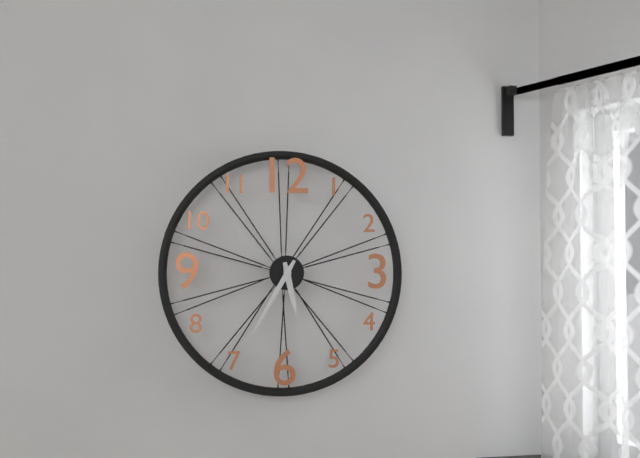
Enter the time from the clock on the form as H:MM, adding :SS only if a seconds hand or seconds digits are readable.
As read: 5:35
